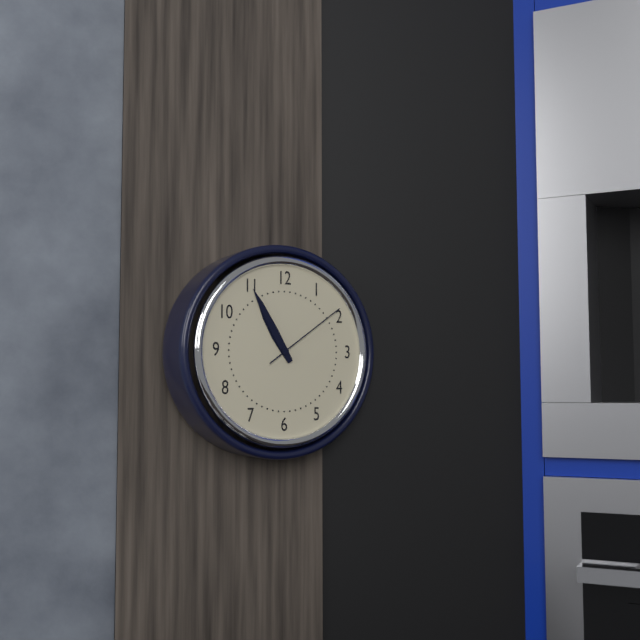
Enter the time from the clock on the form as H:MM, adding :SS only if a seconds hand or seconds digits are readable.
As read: 10:55:09
